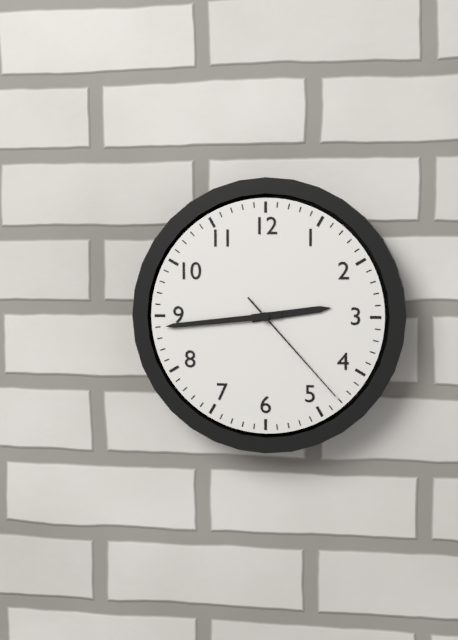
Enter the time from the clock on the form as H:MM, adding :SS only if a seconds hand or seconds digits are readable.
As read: 2:44:23
